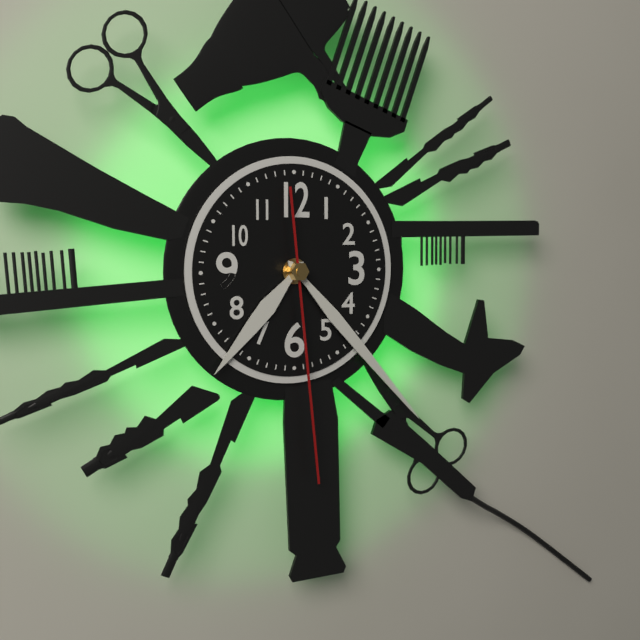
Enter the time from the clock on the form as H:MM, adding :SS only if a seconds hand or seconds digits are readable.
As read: 7:23:29
